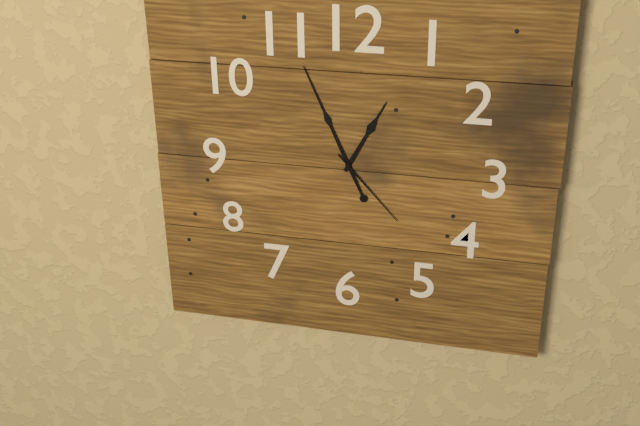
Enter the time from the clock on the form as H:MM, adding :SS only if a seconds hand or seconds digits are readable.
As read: 12:56:23
